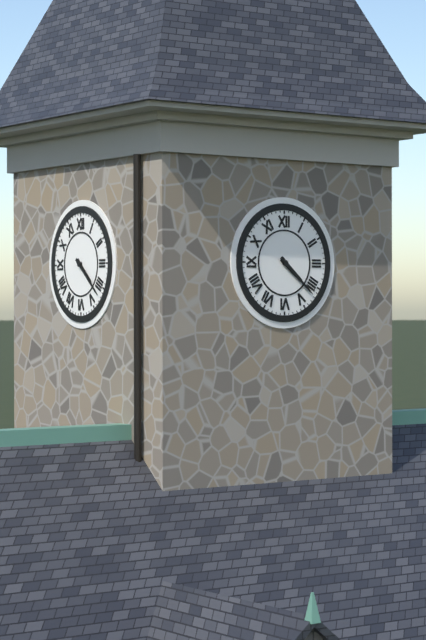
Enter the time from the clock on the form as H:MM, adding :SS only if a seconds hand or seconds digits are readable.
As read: 4:22
